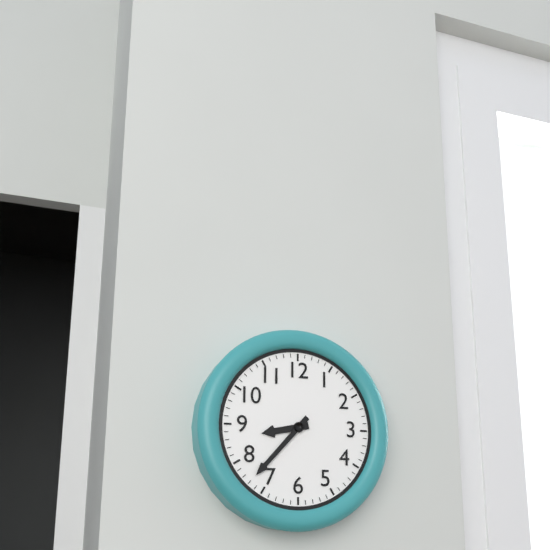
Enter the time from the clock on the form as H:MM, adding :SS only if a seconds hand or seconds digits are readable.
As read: 8:37
